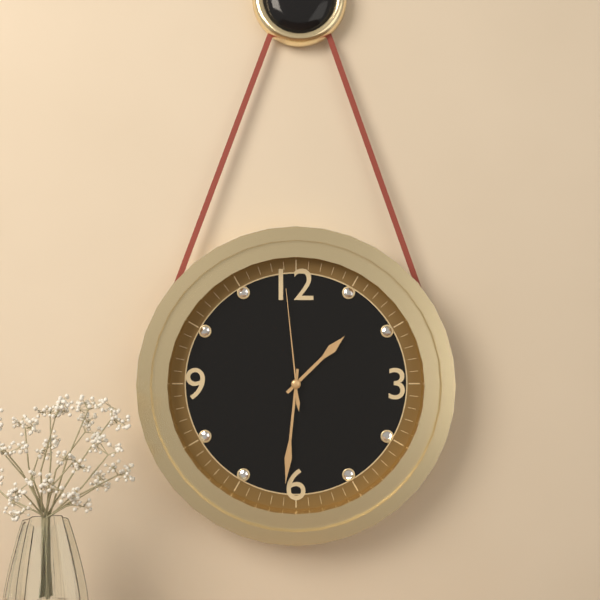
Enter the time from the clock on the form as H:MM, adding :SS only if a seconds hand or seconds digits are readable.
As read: 1:31:59
